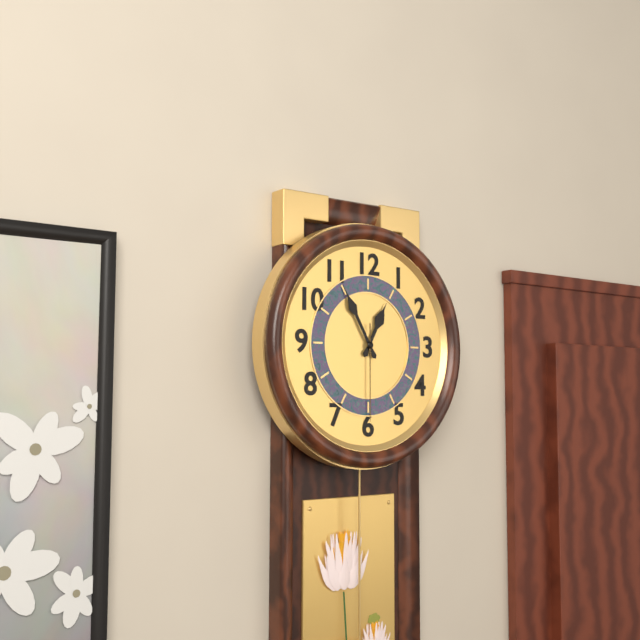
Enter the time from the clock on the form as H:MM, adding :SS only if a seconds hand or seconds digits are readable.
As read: 12:55:30
